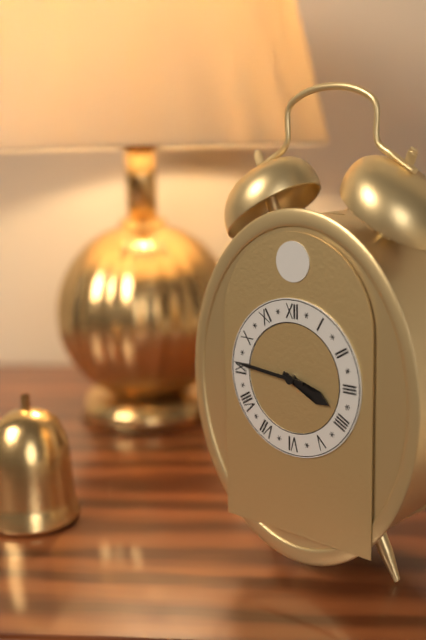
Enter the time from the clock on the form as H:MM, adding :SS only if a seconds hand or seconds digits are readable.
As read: 3:46
